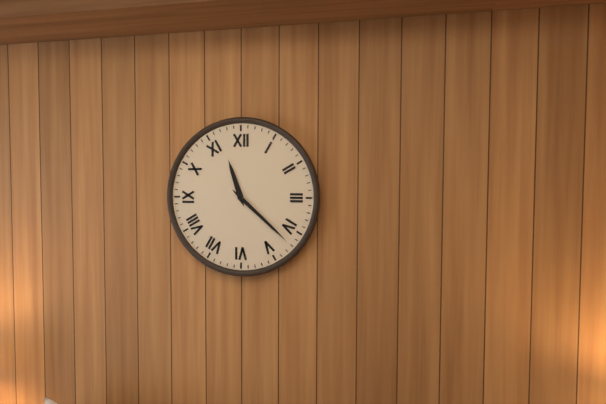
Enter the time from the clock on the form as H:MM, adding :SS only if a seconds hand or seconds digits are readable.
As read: 11:22
